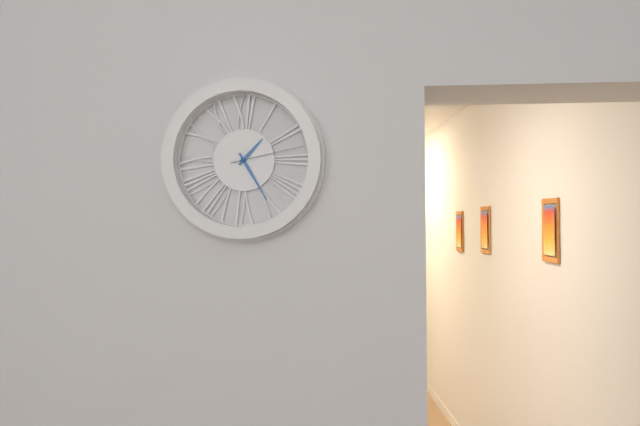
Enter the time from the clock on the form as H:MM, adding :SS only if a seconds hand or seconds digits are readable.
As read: 1:25:13
